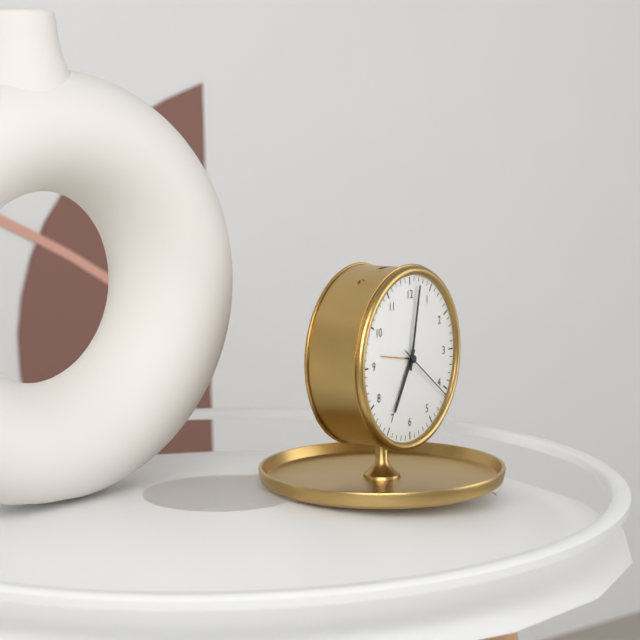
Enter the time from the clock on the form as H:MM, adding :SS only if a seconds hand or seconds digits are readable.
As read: 7:02:21
